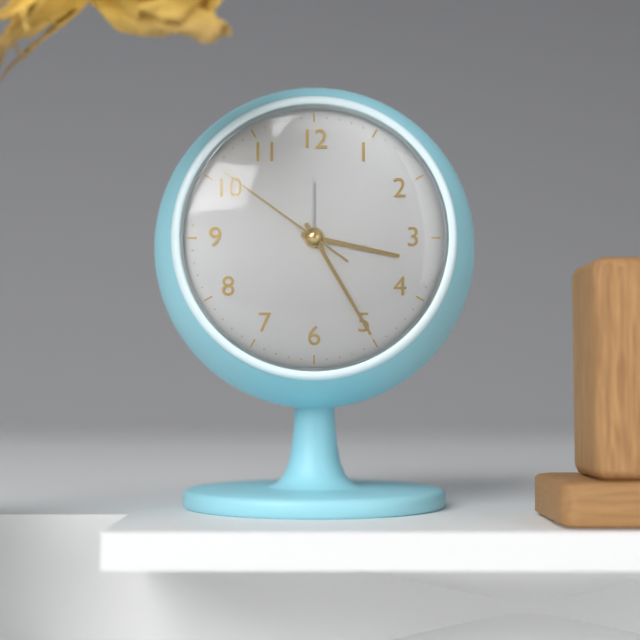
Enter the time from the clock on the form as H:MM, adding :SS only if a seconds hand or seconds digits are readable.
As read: 3:25:51
